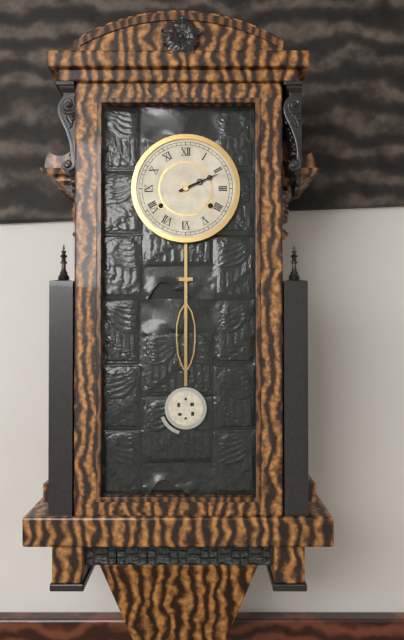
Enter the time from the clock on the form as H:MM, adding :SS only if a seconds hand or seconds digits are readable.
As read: 2:11
